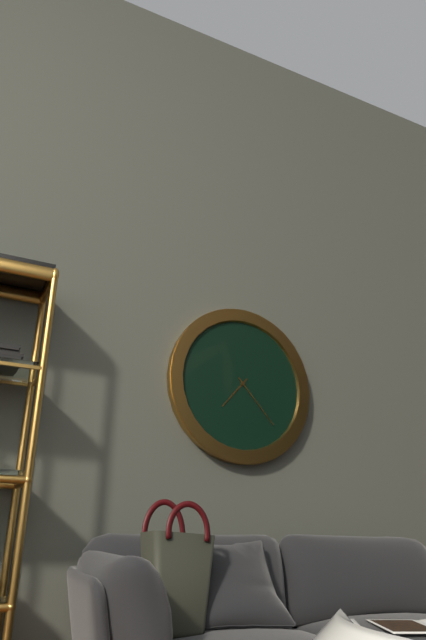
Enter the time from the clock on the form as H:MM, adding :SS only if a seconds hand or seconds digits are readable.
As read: 7:23
